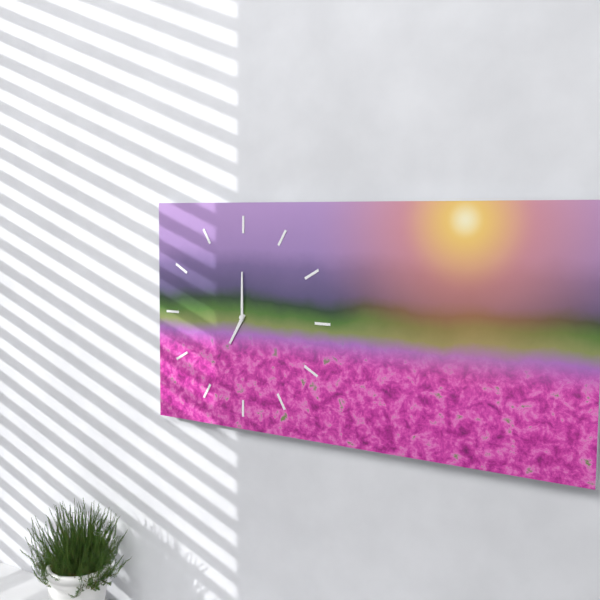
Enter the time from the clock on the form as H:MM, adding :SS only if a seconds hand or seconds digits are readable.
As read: 7:00
